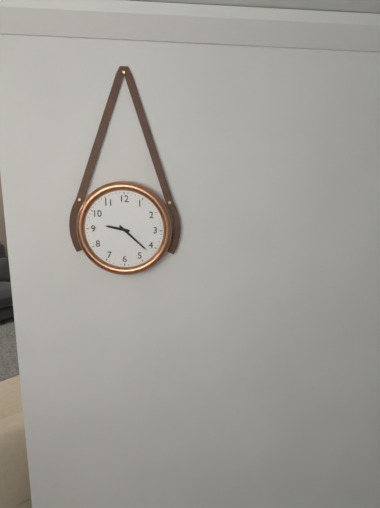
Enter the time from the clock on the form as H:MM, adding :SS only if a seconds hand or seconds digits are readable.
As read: 9:22
